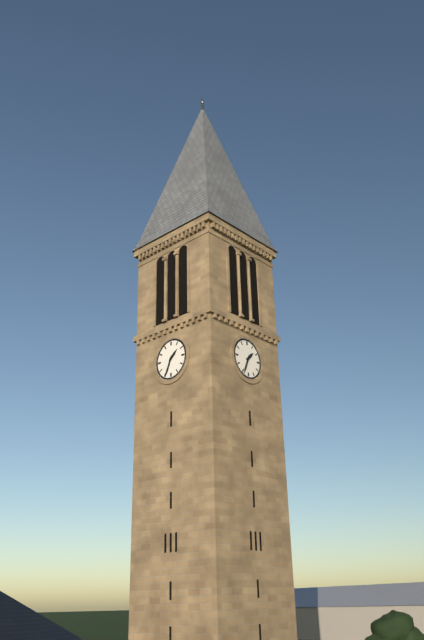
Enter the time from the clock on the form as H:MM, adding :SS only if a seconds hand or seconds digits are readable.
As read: 1:34
